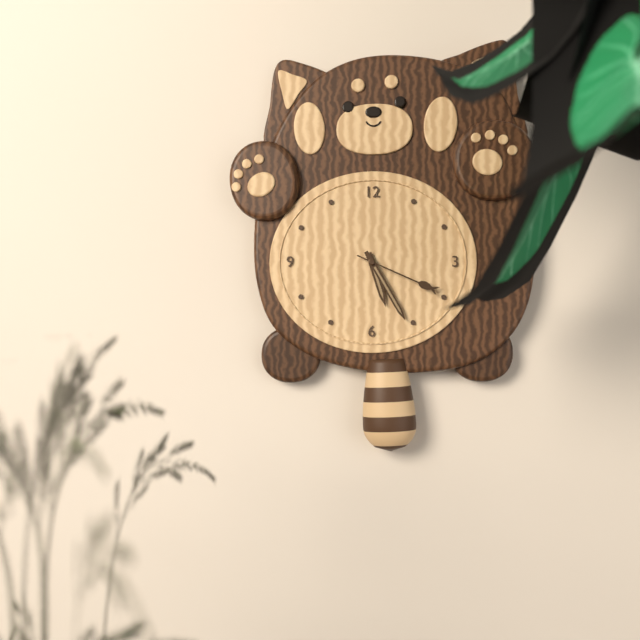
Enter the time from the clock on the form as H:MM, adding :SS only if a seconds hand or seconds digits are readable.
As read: 5:25:19
